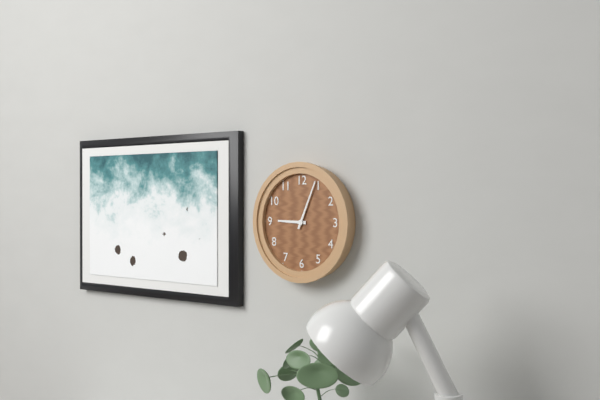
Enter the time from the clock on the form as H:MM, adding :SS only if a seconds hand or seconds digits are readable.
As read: 9:04
